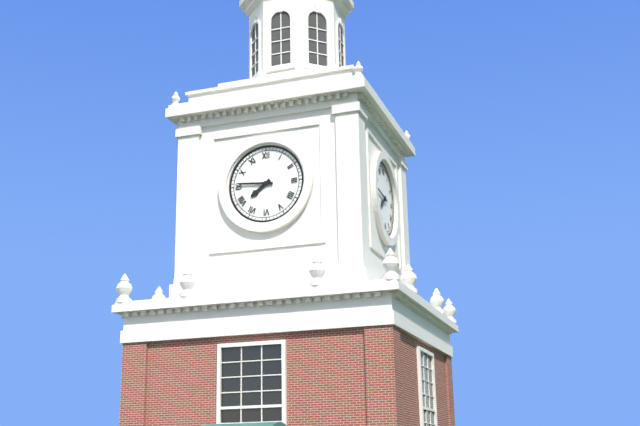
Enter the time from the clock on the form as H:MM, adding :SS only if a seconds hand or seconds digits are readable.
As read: 7:46
